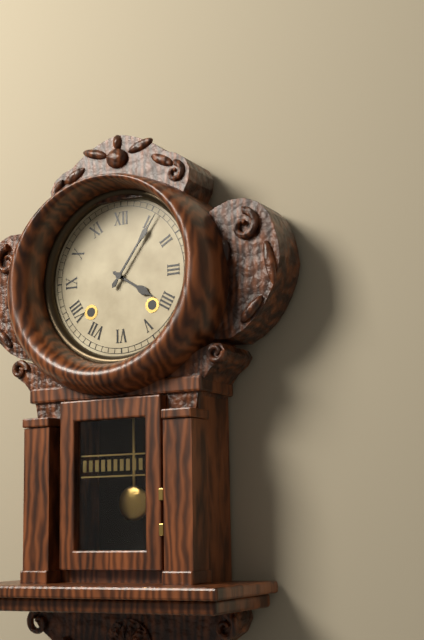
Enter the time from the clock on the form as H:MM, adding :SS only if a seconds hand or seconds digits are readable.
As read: 4:06
